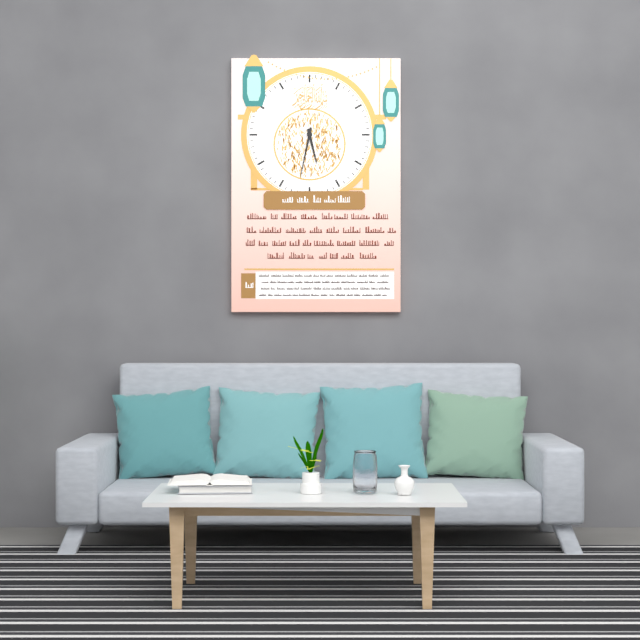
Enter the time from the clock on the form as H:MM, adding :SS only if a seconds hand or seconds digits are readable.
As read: 5:32
